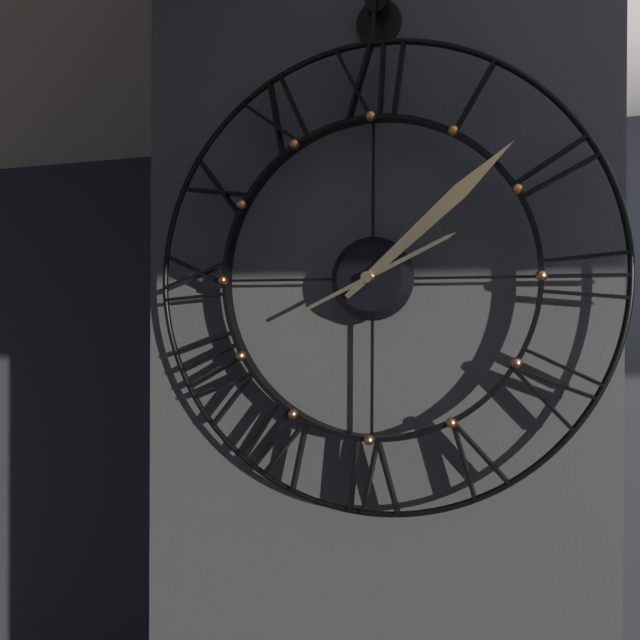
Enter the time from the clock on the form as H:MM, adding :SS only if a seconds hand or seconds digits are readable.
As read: 2:08
